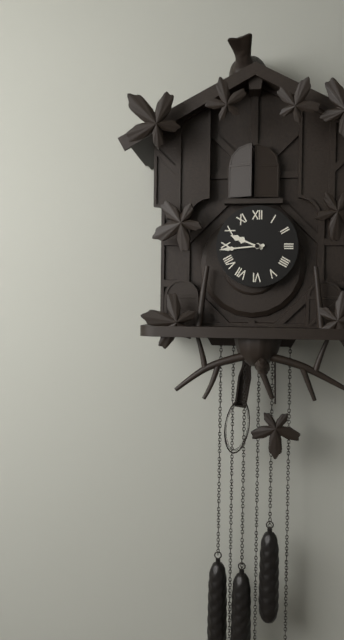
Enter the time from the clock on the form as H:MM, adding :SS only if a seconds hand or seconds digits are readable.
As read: 9:44
